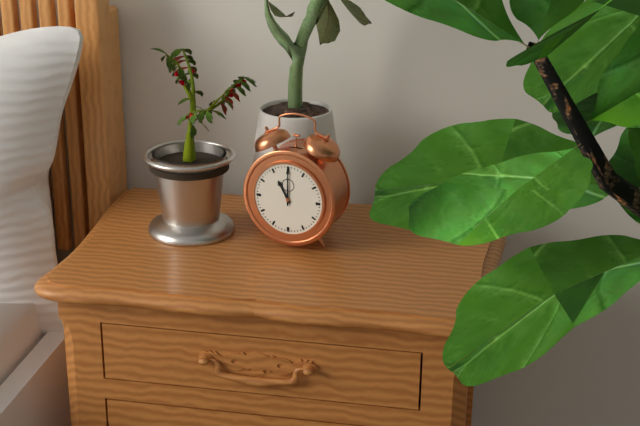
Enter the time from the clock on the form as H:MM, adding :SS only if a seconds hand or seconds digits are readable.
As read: 11:00
